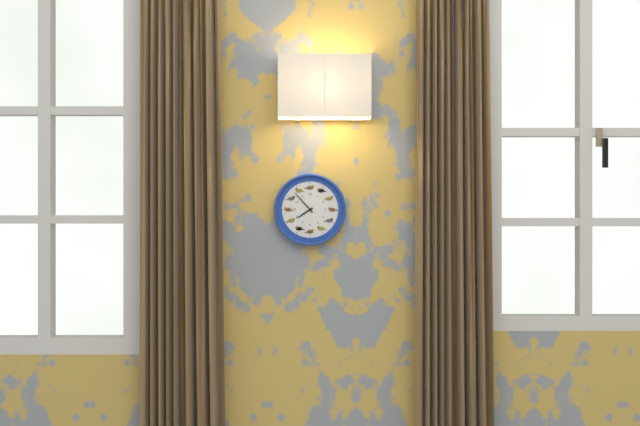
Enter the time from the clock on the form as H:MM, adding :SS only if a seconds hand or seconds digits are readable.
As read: 7:53
